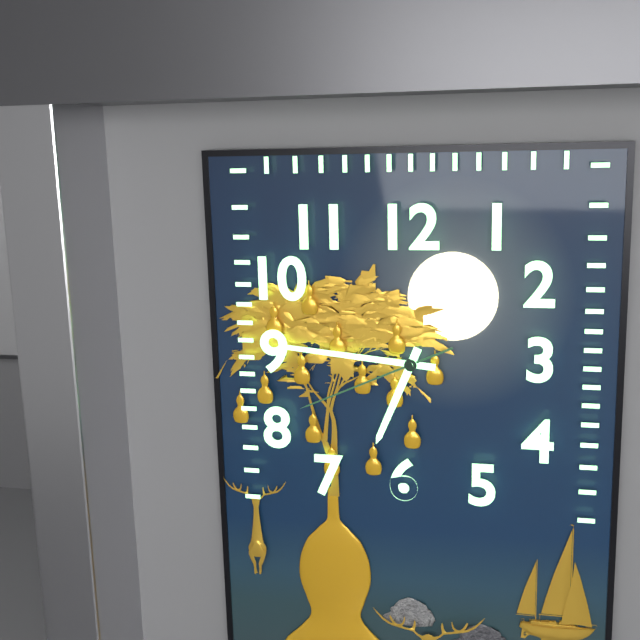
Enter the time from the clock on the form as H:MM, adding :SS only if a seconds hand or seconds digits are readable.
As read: 6:46:41
